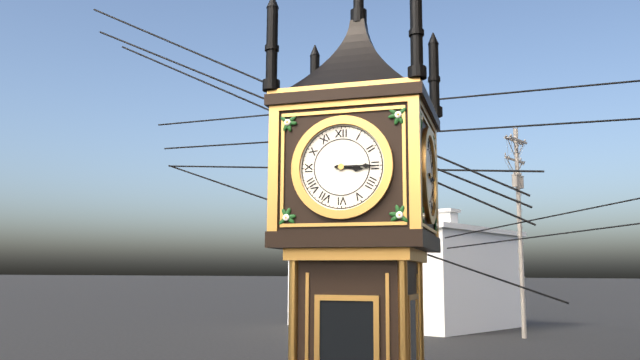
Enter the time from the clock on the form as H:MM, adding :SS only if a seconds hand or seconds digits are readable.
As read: 3:15
